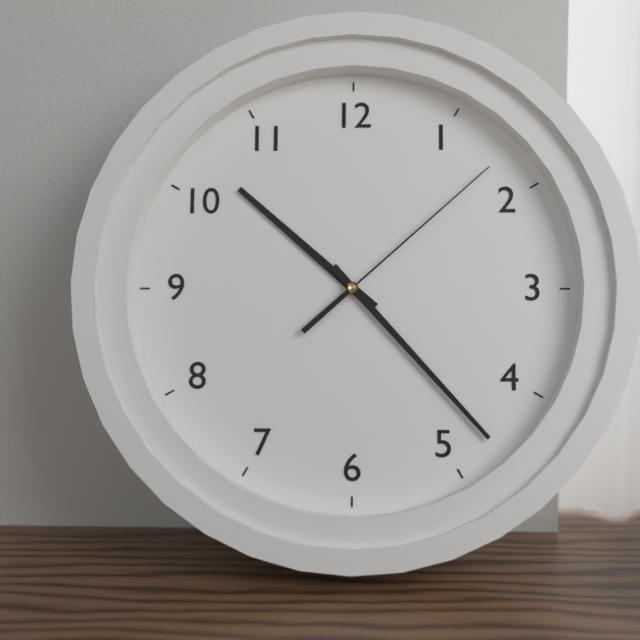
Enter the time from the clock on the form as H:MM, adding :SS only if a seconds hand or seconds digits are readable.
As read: 10:23:08
